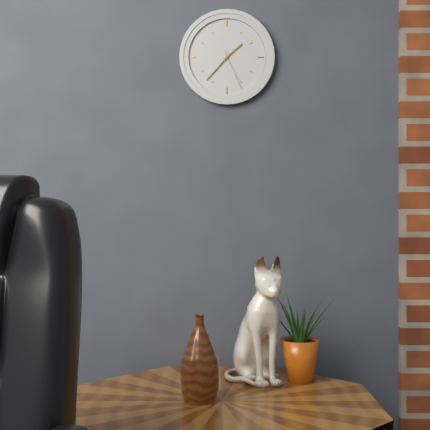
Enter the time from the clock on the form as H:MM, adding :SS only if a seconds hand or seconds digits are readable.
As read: 1:37
